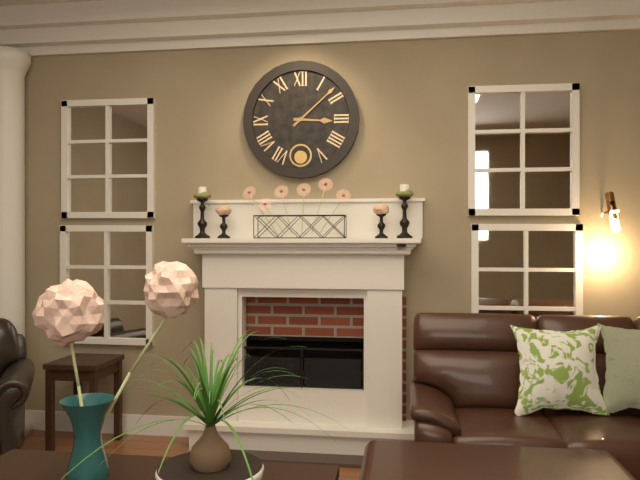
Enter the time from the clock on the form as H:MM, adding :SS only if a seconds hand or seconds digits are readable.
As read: 3:08
